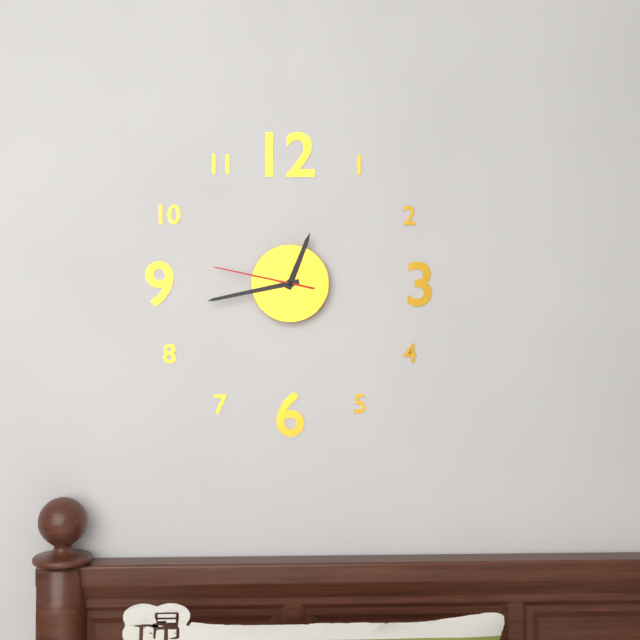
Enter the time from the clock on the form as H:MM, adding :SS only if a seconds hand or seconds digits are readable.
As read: 12:43:47
